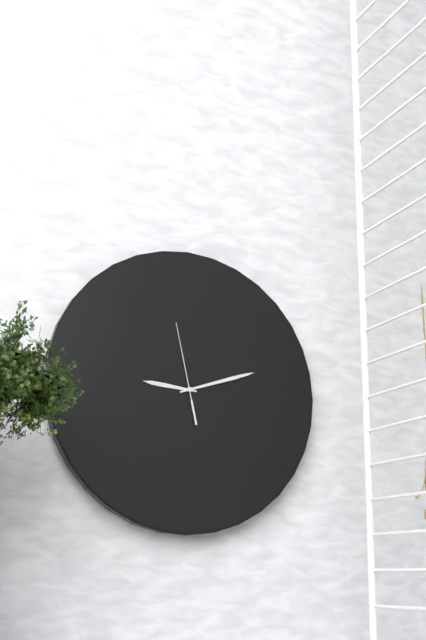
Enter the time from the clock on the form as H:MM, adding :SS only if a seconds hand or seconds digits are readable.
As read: 9:12:58
